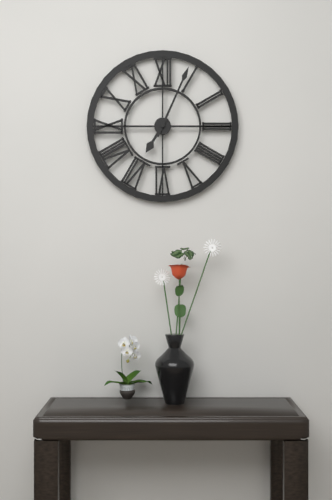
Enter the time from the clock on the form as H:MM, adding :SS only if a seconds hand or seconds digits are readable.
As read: 7:04
